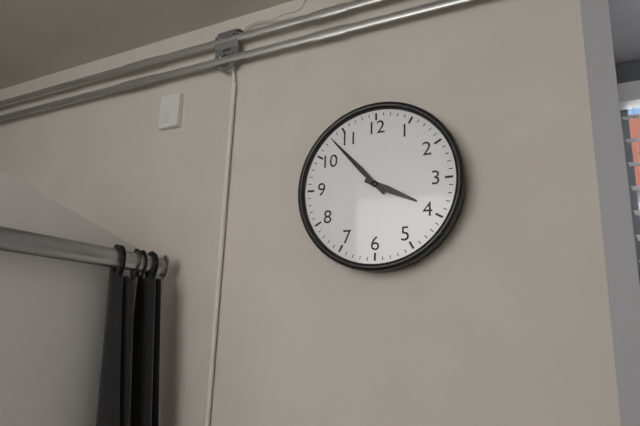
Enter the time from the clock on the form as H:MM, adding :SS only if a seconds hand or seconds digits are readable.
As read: 3:53
